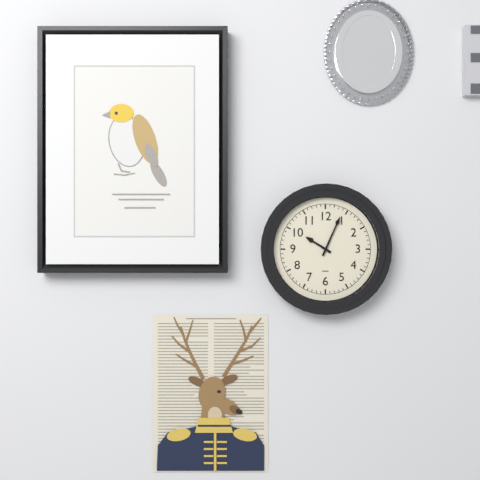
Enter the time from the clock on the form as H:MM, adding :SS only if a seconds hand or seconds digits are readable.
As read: 10:04
